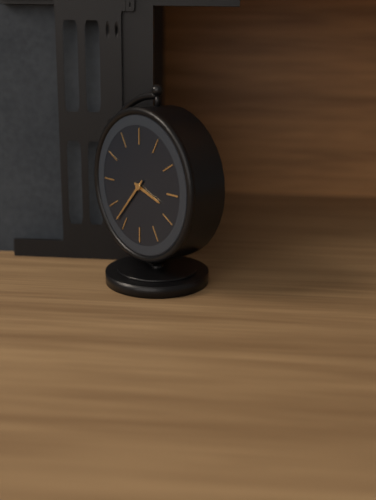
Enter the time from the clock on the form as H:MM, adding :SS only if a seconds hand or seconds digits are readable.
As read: 3:37
